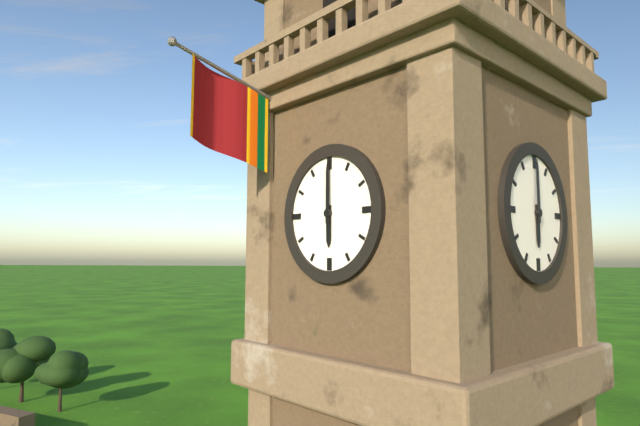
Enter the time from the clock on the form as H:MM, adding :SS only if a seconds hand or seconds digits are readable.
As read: 6:00
